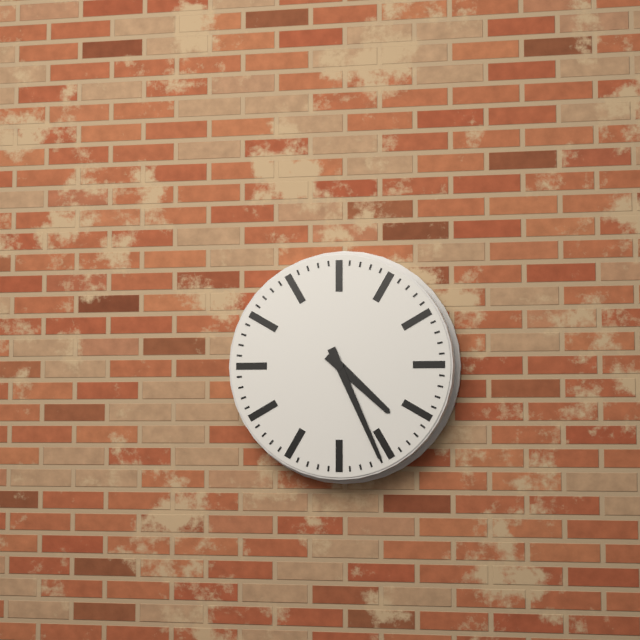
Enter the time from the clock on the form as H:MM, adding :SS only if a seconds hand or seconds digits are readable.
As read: 4:26
